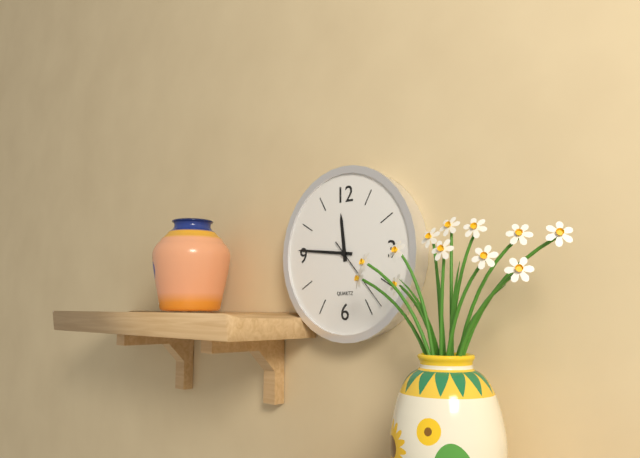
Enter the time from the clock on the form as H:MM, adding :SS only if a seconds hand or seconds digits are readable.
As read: 11:46:23
